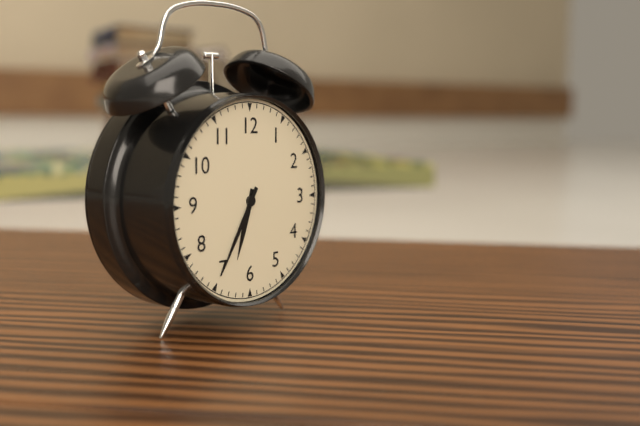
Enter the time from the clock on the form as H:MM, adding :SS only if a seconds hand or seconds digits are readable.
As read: 6:35
